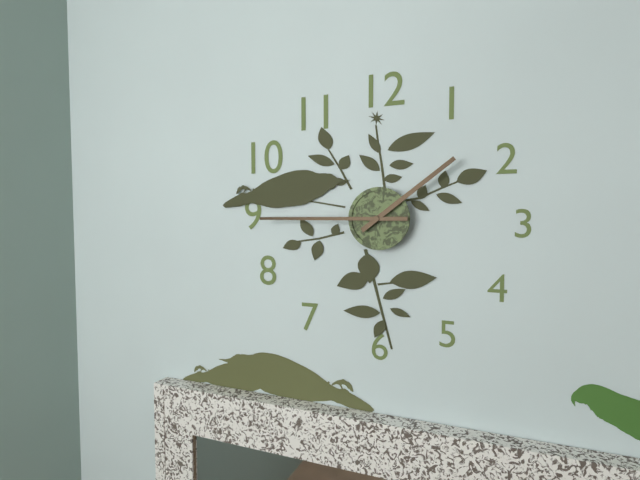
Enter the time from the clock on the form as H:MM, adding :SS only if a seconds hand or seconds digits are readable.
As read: 1:45
